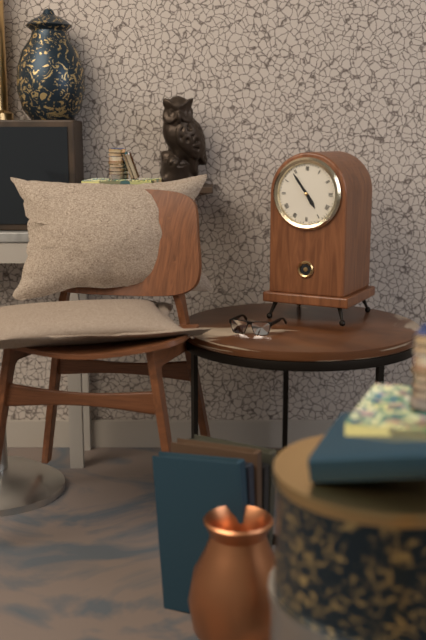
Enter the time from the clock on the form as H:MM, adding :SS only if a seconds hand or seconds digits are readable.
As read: 4:54
